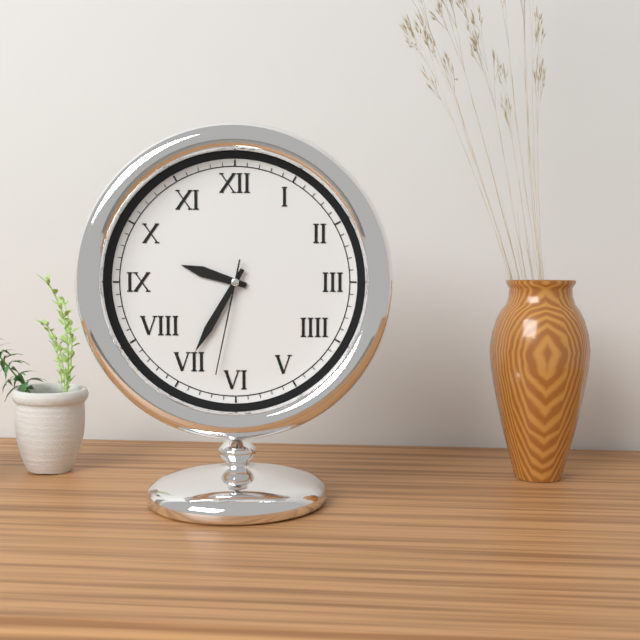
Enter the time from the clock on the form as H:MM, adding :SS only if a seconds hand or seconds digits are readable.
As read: 9:35:32
